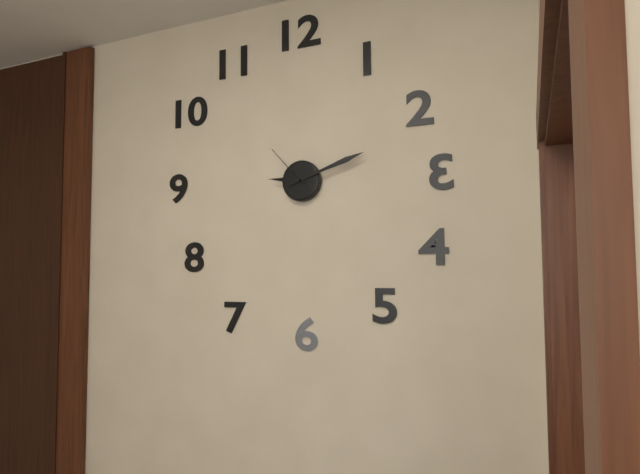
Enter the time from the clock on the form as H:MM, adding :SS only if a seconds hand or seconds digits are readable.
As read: 9:12:53
